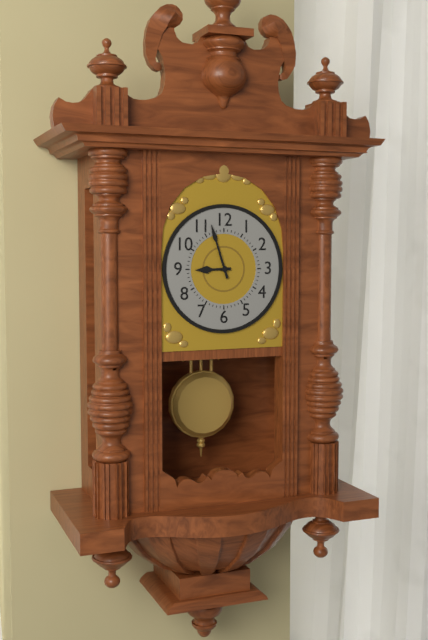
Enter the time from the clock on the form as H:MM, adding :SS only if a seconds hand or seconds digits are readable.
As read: 8:57
